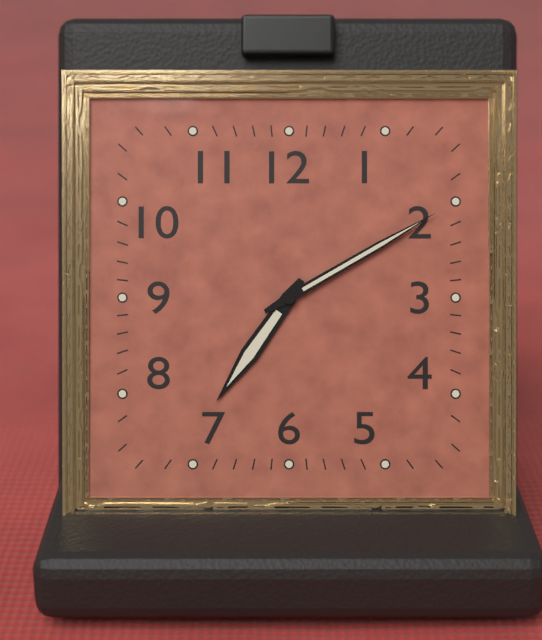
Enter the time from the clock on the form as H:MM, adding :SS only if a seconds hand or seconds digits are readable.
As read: 7:10
